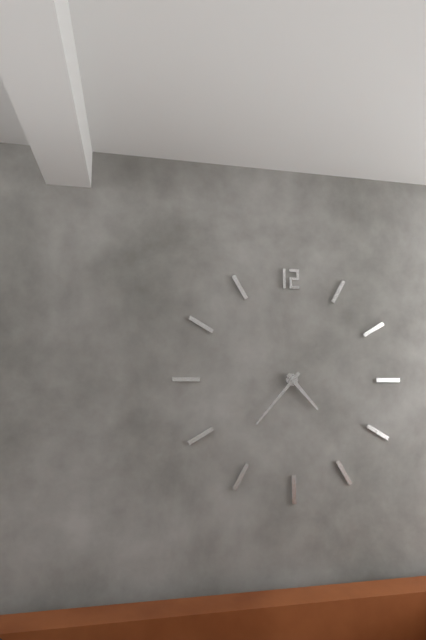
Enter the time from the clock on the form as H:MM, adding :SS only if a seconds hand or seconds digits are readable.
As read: 4:37
